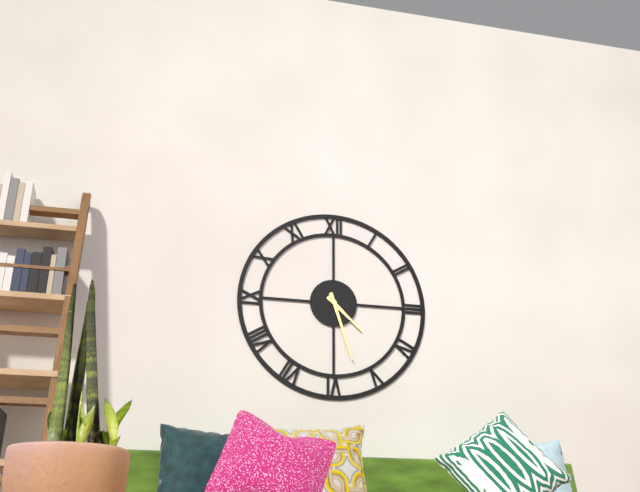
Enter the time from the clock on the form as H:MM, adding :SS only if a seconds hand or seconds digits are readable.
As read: 4:27
